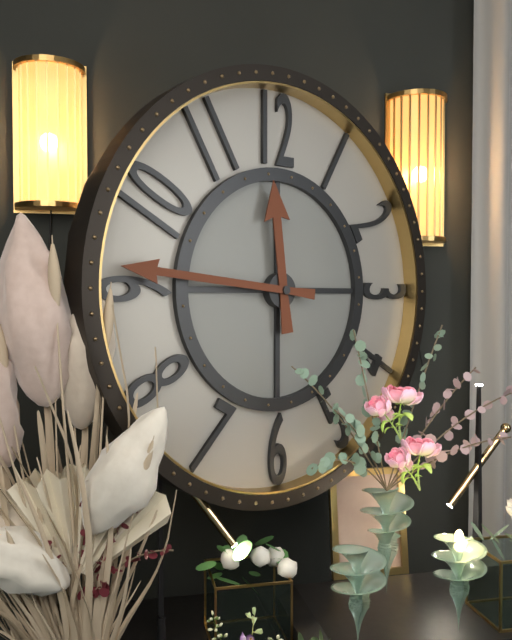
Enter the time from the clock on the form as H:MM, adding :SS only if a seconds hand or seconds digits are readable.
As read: 11:46
